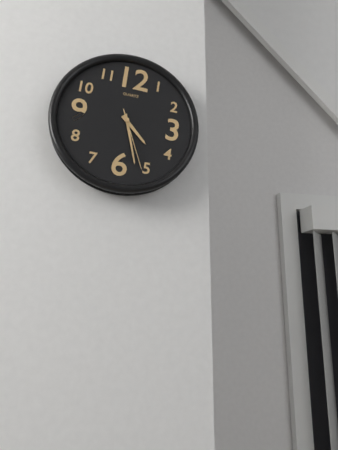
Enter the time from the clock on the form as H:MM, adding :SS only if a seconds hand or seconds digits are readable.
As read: 4:27:26
